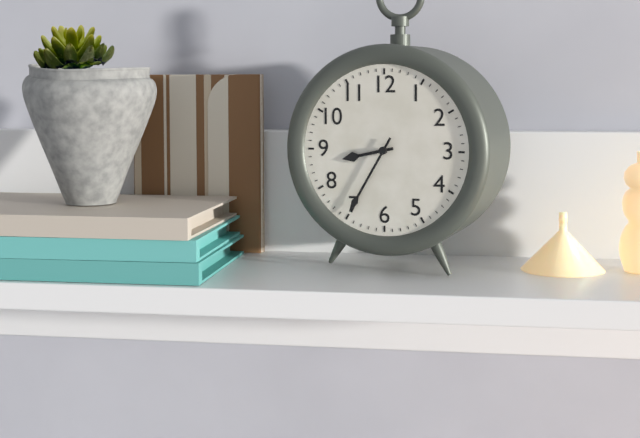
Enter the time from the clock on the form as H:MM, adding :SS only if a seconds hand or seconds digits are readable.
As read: 8:35
